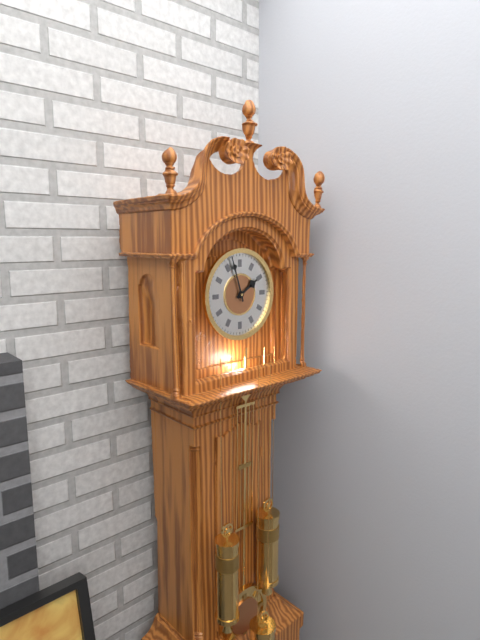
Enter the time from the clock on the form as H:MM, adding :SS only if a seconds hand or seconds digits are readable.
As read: 1:57
